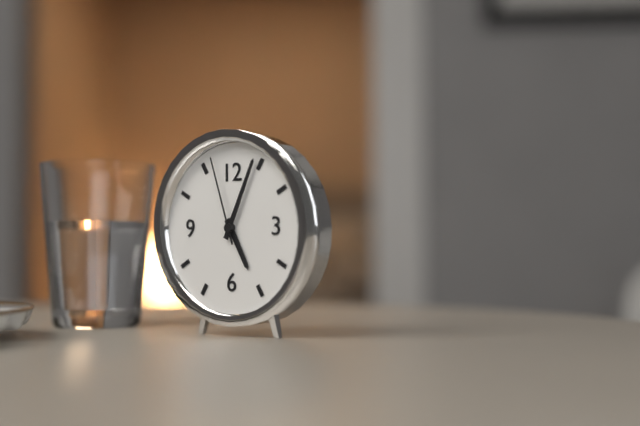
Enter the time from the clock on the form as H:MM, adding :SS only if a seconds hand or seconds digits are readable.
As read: 5:04:57
